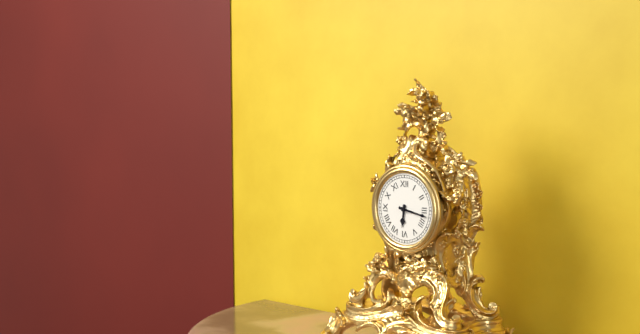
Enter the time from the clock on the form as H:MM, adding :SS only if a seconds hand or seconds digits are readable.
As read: 6:17
